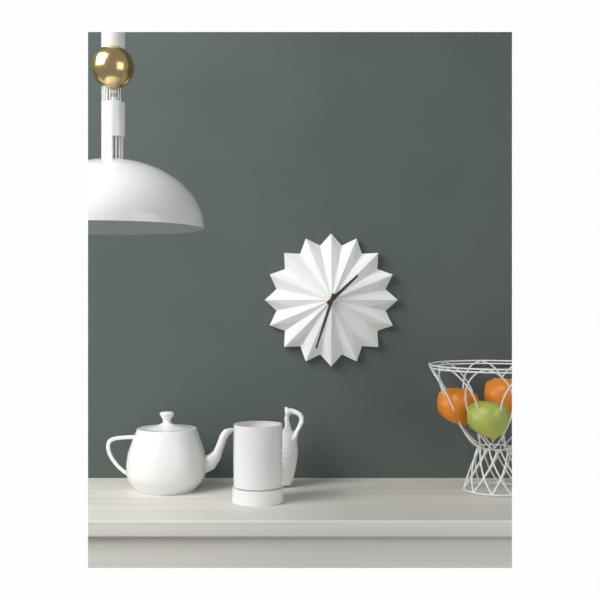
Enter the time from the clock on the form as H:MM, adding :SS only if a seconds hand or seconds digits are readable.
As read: 1:33
